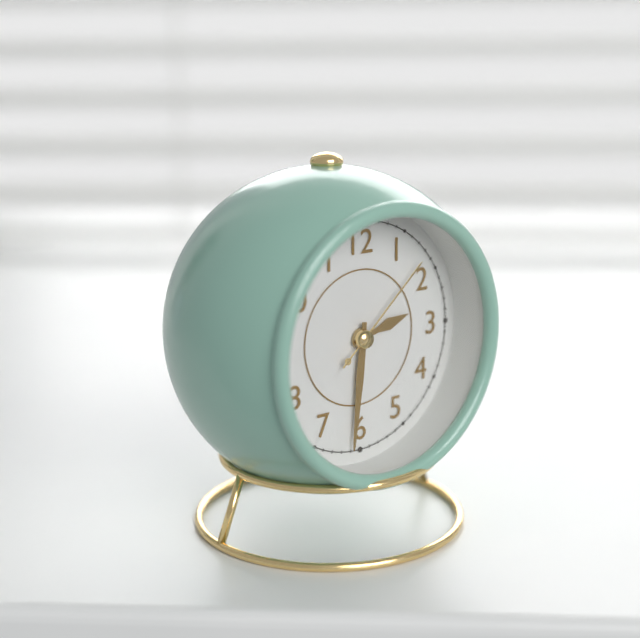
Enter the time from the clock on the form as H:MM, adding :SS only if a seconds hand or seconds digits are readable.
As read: 2:31:08
